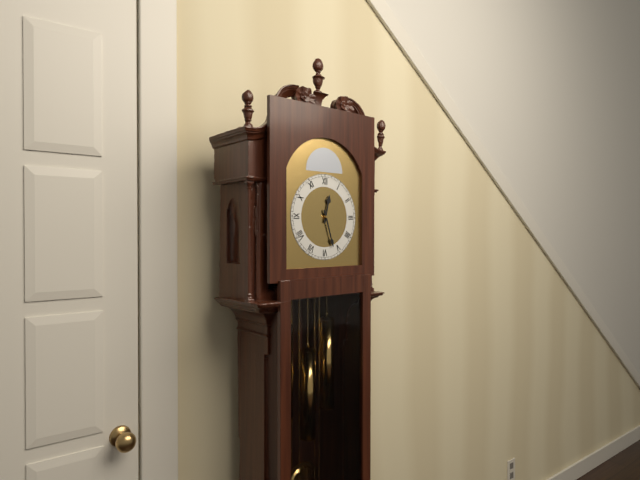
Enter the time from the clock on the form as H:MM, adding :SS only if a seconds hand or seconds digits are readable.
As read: 12:27
